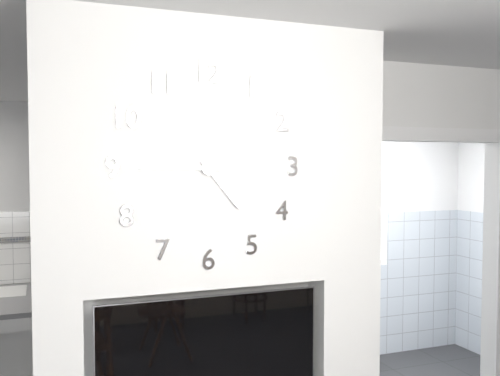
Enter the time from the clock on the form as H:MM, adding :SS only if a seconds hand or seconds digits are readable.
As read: 4:45
